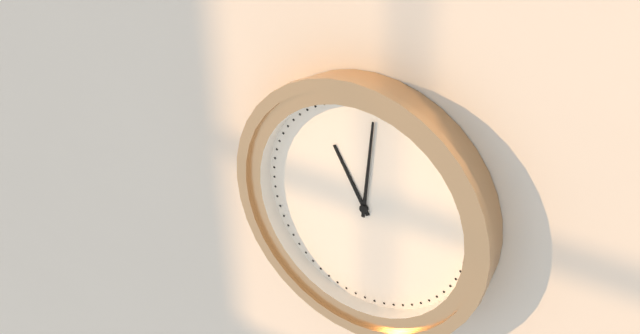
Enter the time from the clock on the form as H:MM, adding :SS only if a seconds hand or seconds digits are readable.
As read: 11:01
